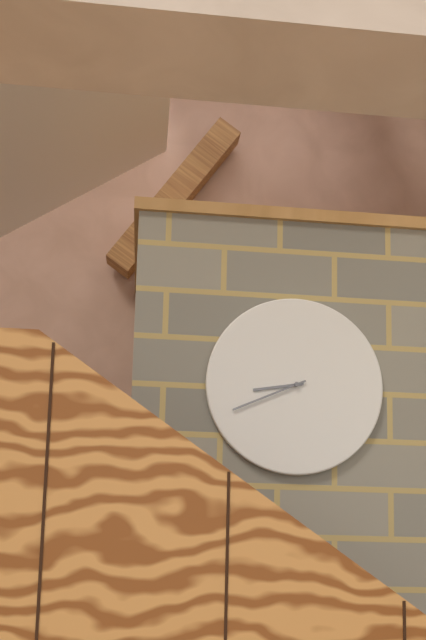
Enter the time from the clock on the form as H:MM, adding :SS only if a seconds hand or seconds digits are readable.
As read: 8:41
